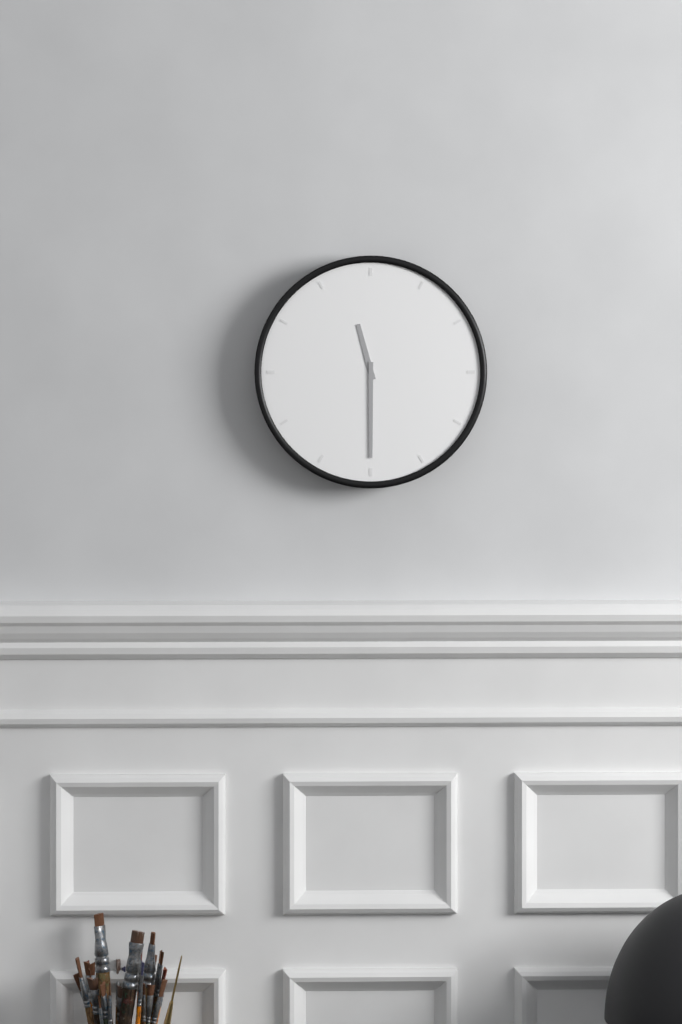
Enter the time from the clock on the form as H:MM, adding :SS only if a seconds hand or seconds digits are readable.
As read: 11:30
